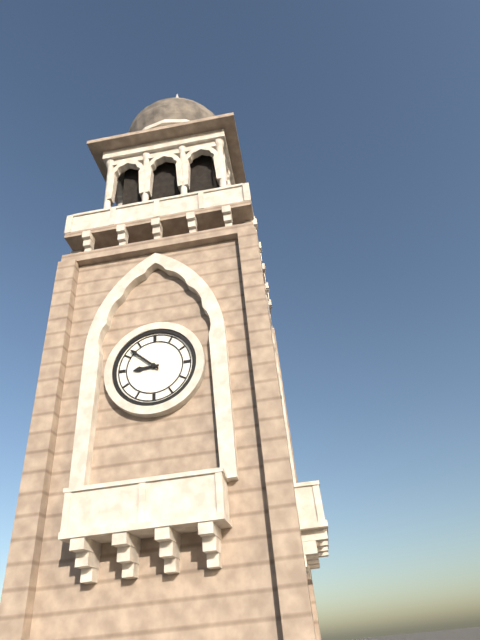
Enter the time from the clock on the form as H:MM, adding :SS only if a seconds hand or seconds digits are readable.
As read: 8:52
